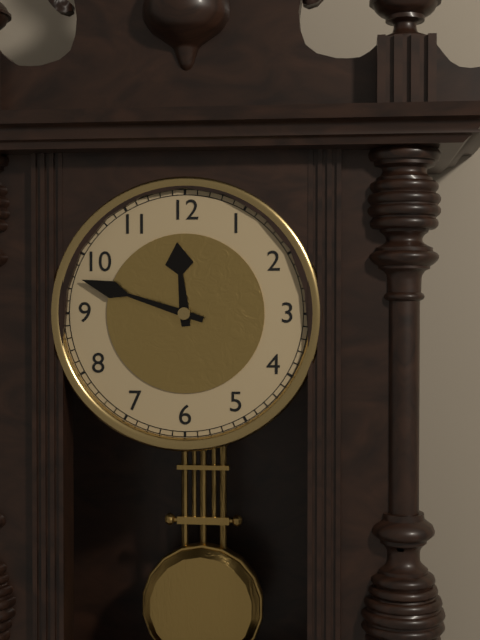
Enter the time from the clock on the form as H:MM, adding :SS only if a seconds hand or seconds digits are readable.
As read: 11:48
